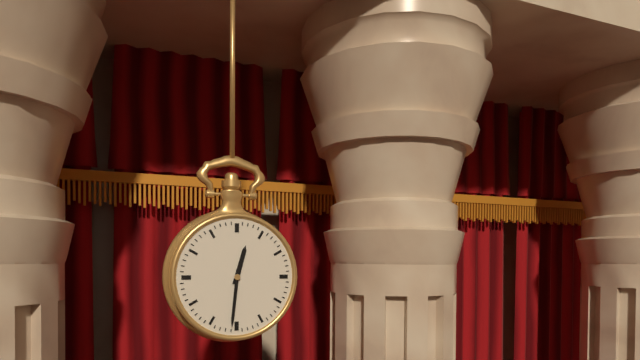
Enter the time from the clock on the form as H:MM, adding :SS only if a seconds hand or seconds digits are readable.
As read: 12:31
